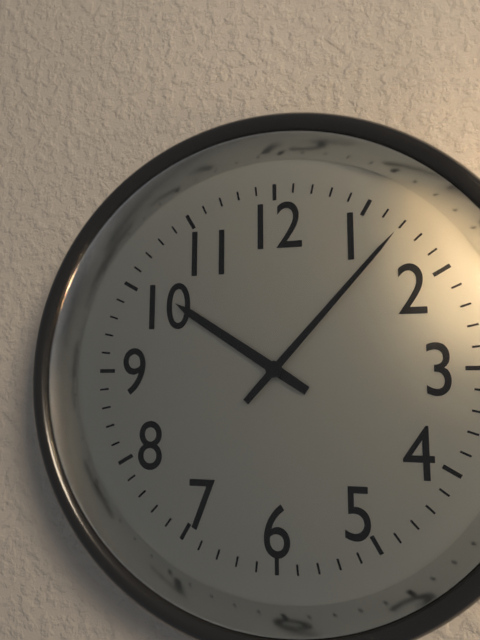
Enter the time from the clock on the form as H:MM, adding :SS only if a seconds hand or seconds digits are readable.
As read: 10:07
